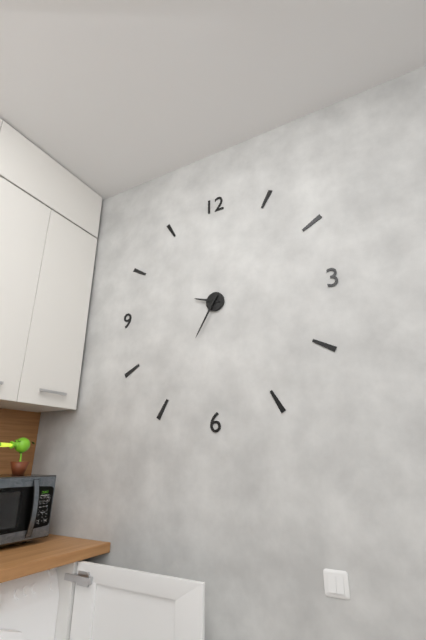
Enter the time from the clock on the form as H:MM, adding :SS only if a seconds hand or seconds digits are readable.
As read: 9:35
